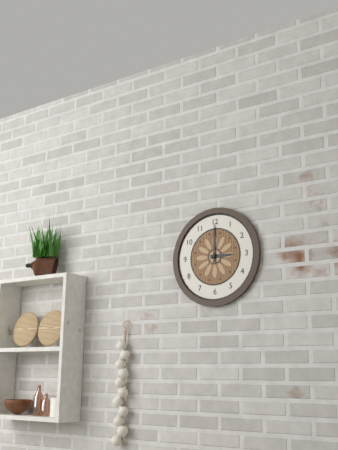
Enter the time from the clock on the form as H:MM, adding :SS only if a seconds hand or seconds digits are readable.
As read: 3:00
